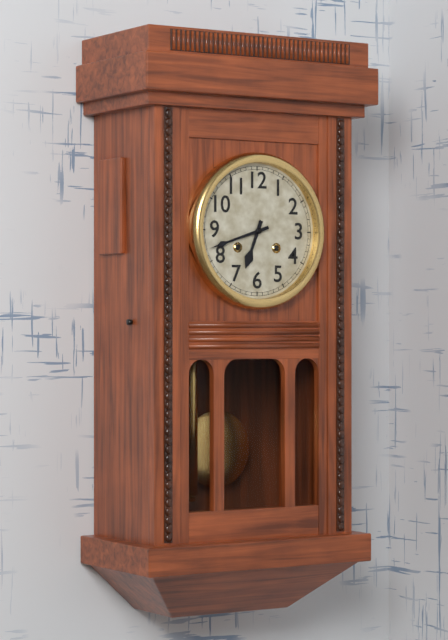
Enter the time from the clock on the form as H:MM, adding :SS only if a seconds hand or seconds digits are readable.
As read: 6:42
